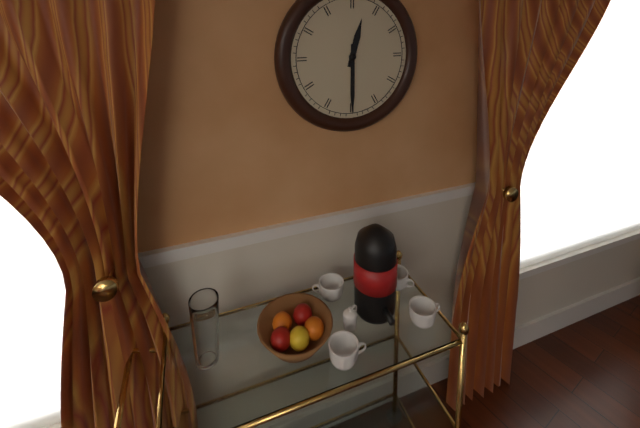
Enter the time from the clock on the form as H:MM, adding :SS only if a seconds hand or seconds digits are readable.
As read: 12:30
